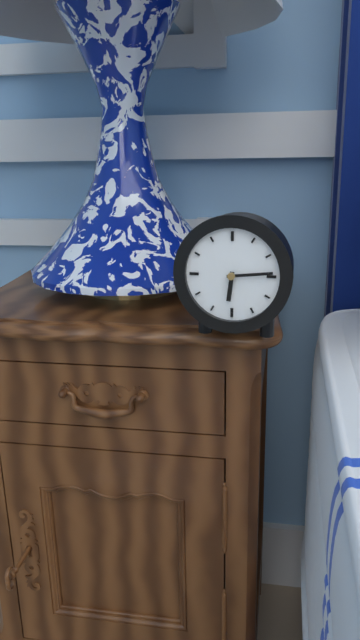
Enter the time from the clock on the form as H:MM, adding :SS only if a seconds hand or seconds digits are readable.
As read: 6:14
